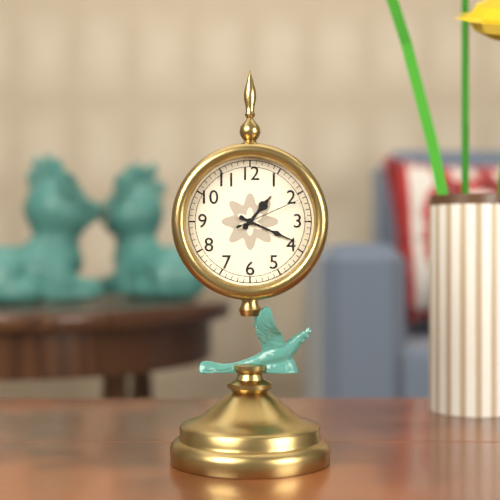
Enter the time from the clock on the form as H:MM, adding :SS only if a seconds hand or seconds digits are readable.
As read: 1:19:11
